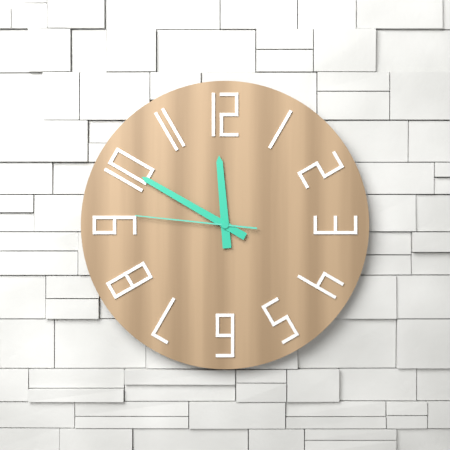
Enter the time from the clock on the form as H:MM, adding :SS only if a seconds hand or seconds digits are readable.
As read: 11:50:46
